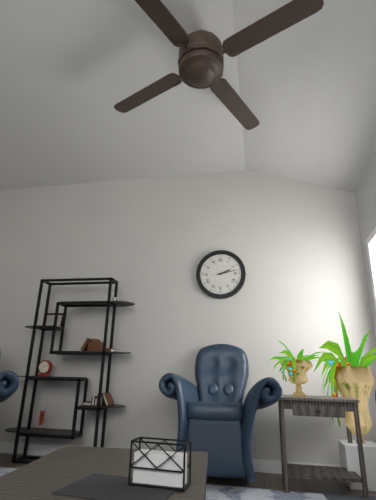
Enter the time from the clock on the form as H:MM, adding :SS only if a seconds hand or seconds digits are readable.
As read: 2:13
